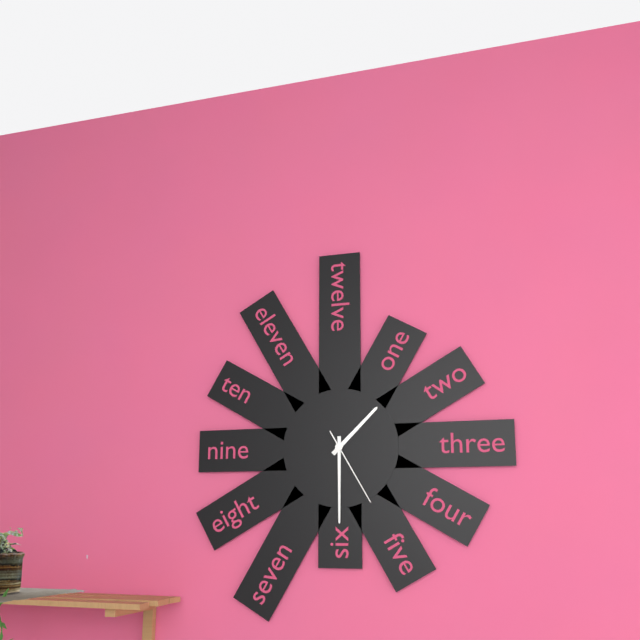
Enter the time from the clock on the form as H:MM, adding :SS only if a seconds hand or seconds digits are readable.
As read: 1:30:25
